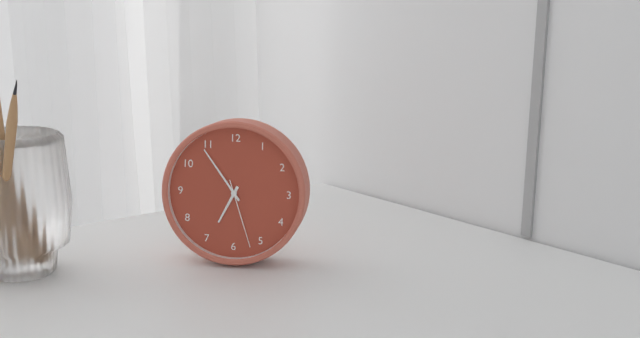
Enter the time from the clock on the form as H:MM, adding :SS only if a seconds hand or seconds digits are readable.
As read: 6:54:27
